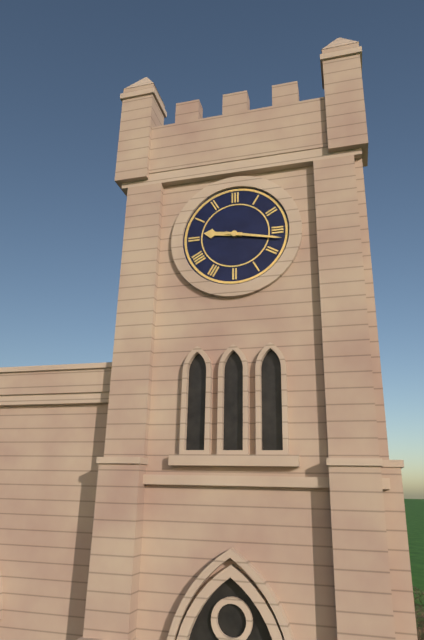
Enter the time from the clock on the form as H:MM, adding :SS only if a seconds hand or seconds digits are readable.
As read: 9:17
